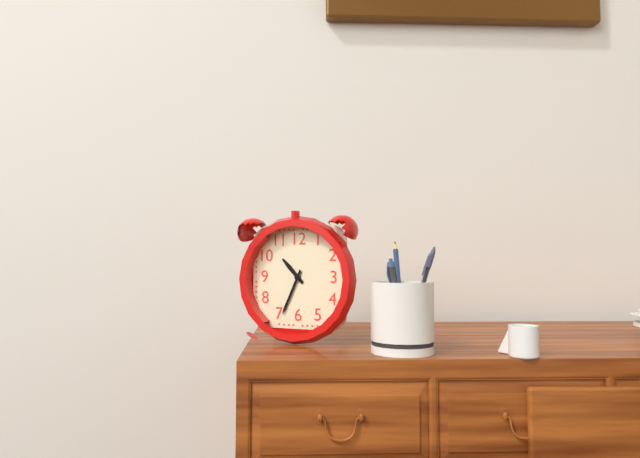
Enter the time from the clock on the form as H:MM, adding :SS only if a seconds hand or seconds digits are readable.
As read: 10:34
